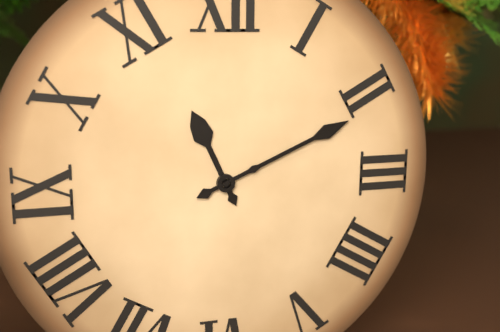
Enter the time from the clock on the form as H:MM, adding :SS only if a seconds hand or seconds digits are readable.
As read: 11:11
